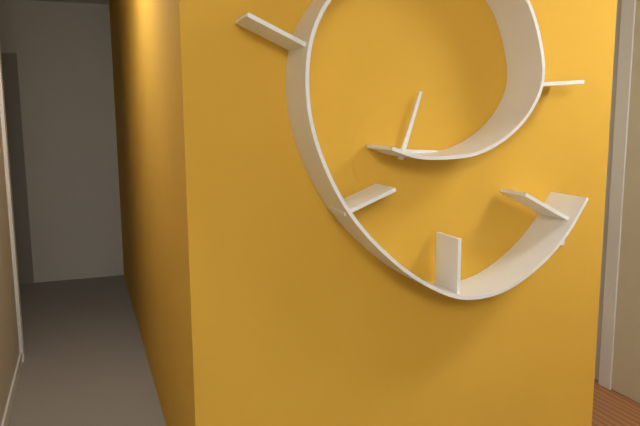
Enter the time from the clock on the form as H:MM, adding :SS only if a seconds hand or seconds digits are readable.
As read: 3:03
